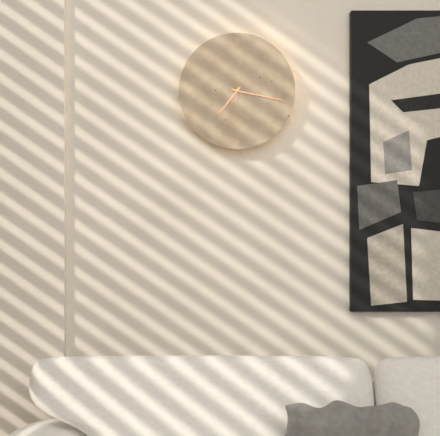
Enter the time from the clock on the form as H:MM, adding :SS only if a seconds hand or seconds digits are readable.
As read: 7:17:31
